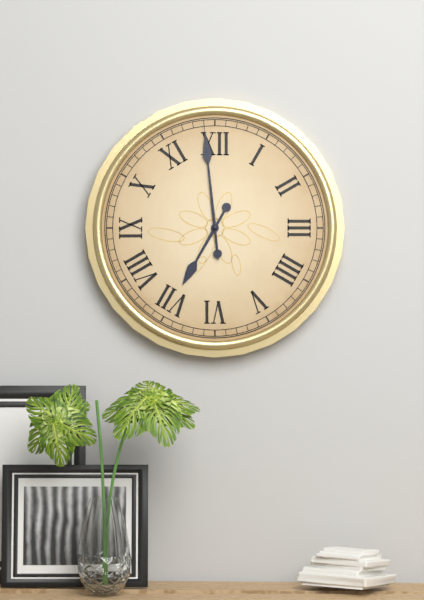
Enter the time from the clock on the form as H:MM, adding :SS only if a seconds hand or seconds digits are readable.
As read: 6:59:59
